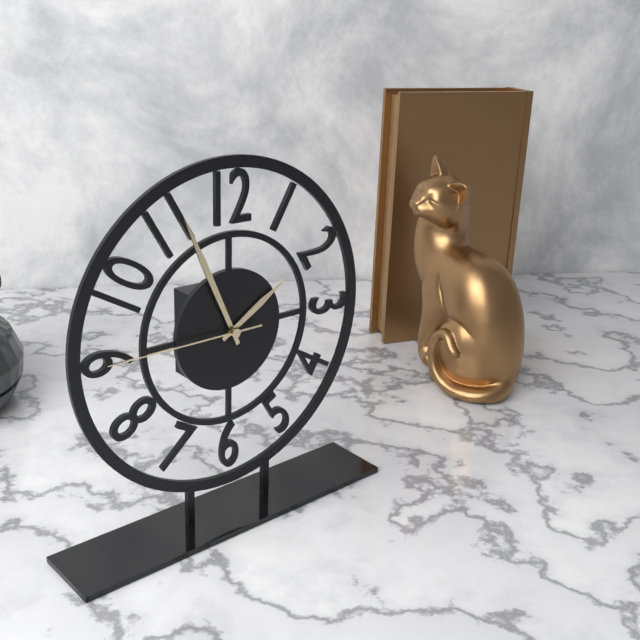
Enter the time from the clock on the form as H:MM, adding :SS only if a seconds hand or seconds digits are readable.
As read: 1:56:45
